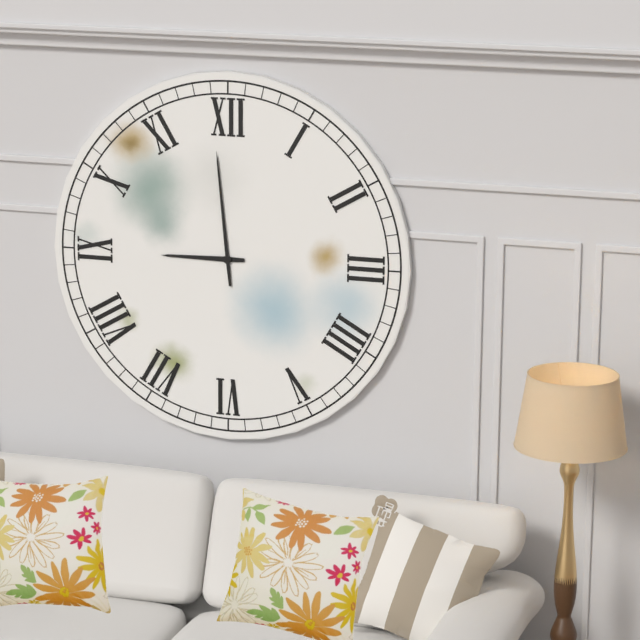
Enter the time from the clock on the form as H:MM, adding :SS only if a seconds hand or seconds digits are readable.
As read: 8:59
